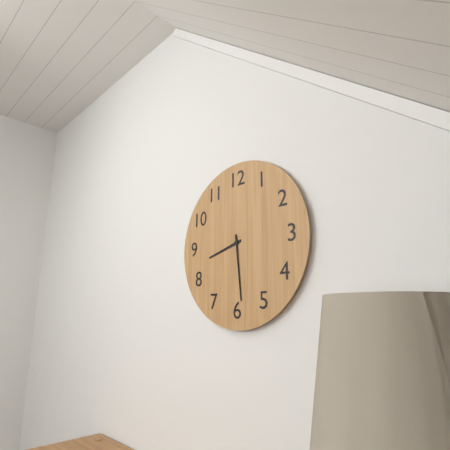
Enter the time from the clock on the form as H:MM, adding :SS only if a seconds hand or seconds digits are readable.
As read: 8:29
